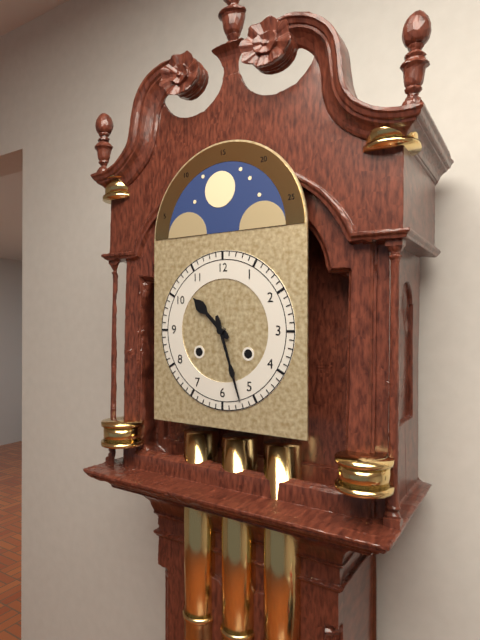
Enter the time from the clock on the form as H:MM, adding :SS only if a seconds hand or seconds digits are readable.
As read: 10:27
